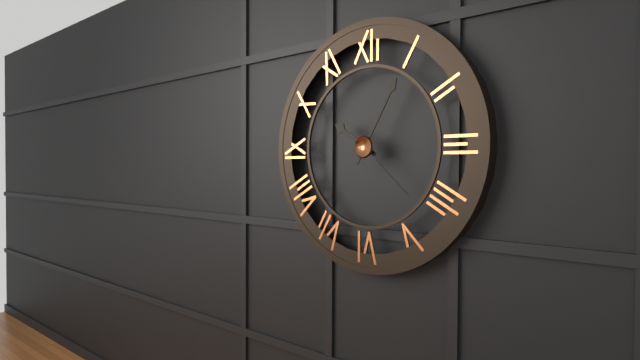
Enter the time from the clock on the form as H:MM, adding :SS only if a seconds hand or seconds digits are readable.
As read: 10:05:22
